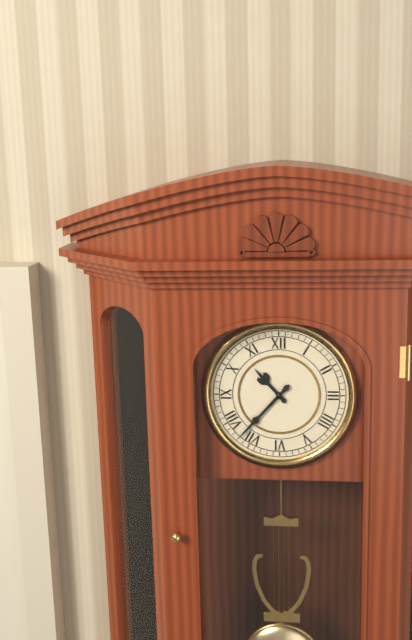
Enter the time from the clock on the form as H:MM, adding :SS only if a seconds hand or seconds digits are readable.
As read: 10:37
